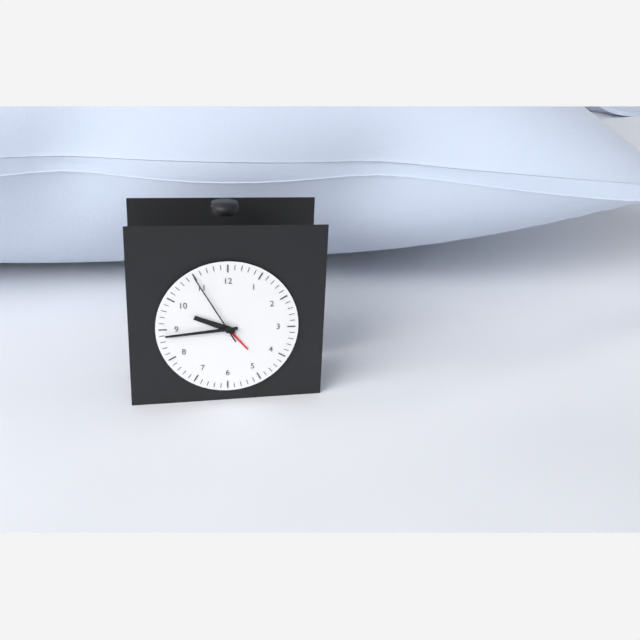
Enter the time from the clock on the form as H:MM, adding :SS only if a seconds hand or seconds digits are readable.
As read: 9:44:55
